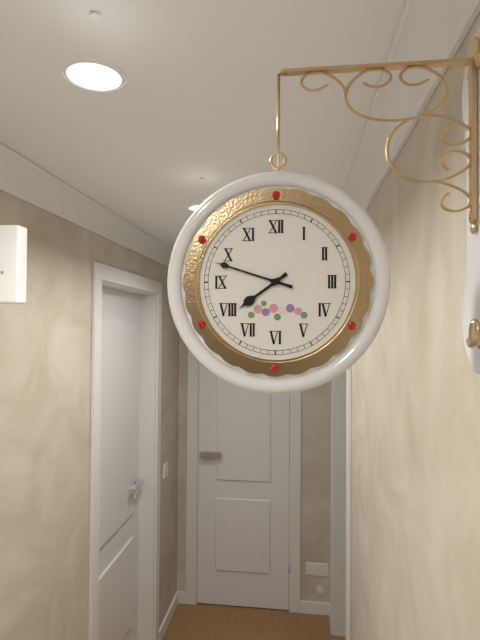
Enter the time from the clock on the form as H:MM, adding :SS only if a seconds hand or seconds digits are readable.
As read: 7:48
